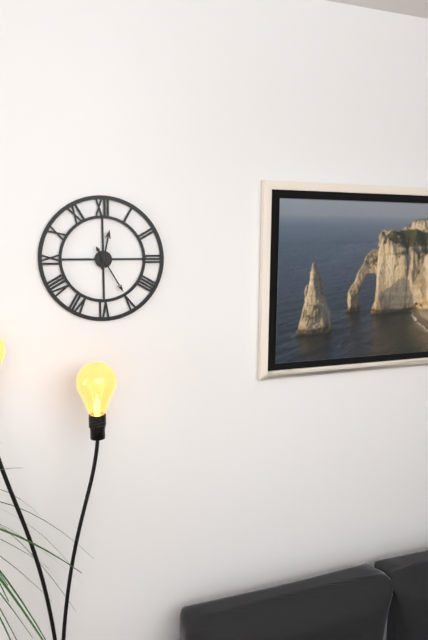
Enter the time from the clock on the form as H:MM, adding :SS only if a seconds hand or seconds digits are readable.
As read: 12:25
